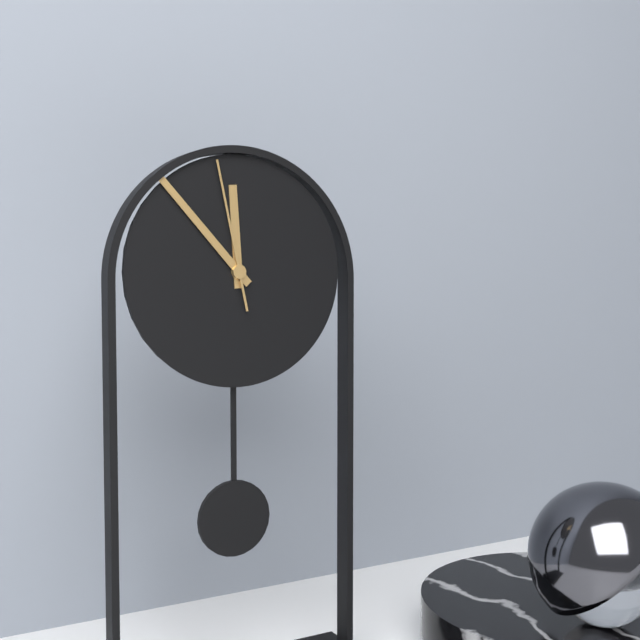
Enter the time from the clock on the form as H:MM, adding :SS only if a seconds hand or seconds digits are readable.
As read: 11:53:58
